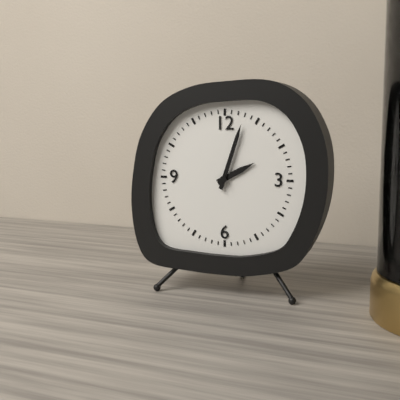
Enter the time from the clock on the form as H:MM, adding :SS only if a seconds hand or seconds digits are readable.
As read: 2:03
